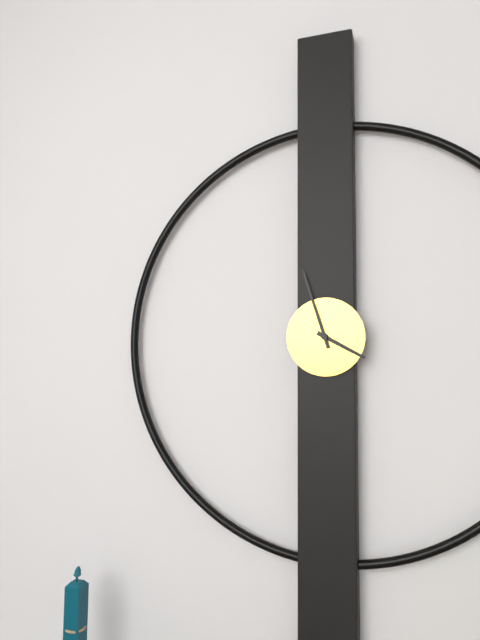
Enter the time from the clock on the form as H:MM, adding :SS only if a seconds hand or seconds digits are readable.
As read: 3:57
